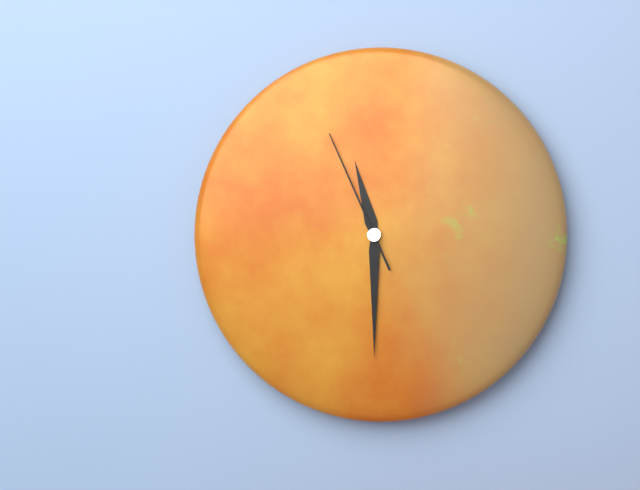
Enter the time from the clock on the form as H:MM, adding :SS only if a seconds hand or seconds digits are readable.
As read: 11:30:56
